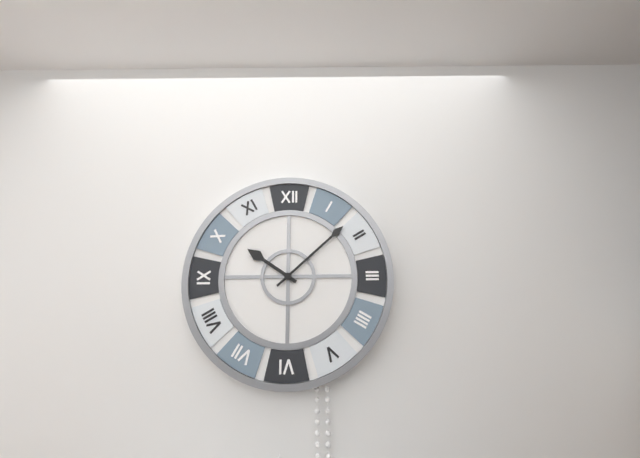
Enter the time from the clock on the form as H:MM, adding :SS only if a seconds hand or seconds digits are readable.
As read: 10:08
